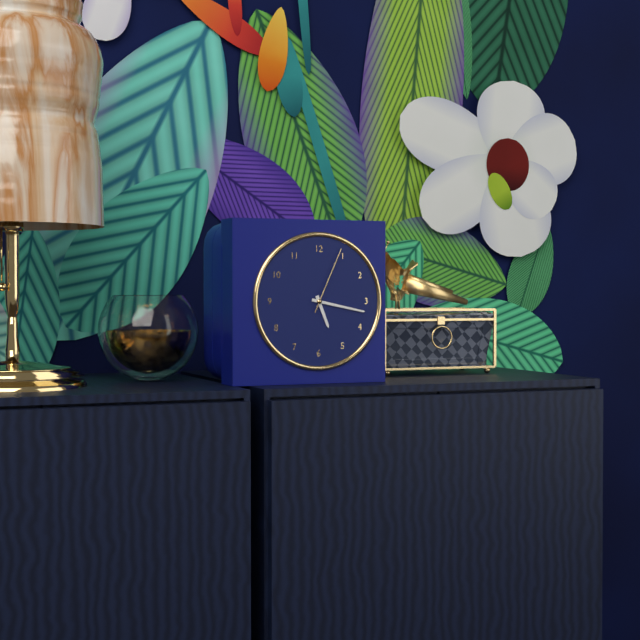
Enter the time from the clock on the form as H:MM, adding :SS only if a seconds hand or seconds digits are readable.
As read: 5:17:04
